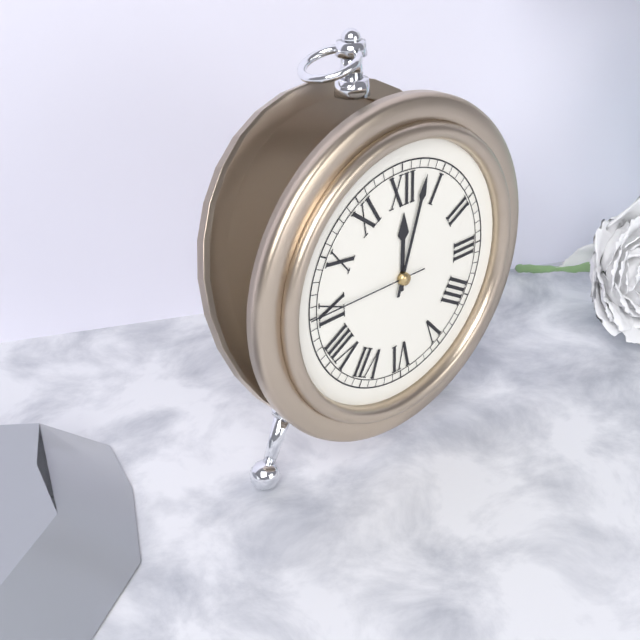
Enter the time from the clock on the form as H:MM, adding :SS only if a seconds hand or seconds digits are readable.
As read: 12:03:45
